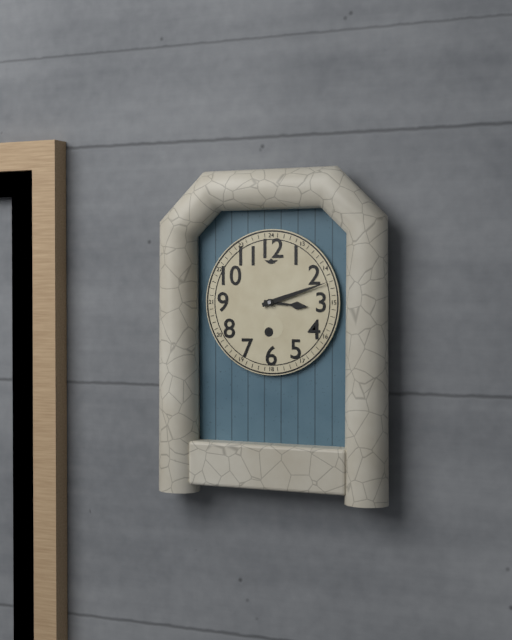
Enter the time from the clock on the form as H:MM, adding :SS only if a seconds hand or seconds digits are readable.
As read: 3:12
